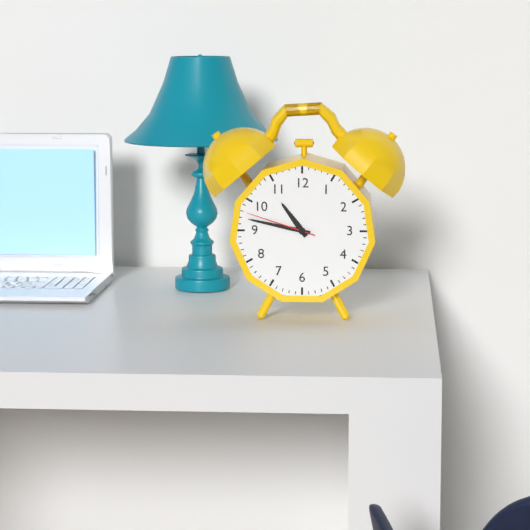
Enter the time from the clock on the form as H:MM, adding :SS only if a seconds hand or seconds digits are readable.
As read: 10:47:48
